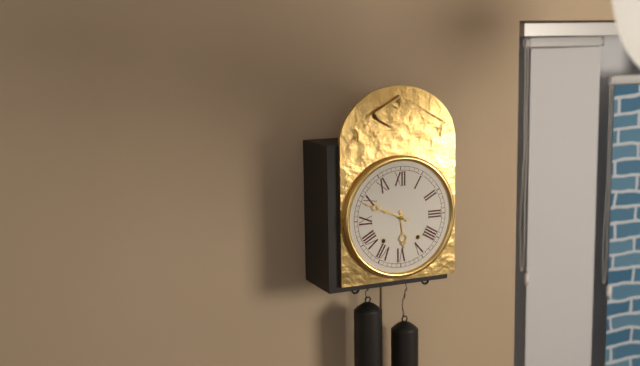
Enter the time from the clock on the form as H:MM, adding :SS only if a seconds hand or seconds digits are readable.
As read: 5:49
